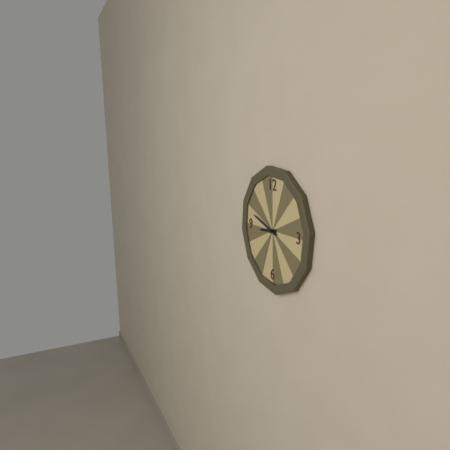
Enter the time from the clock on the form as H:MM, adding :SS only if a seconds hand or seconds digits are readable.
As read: 8:48
